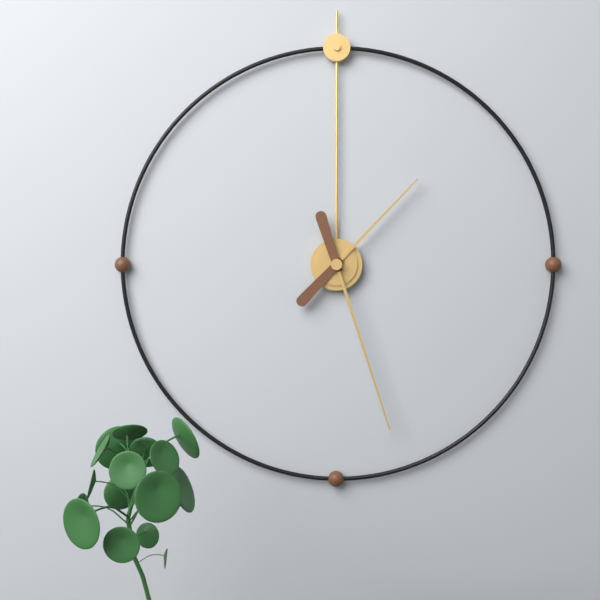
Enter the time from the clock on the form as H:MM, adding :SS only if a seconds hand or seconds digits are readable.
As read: 1:27
